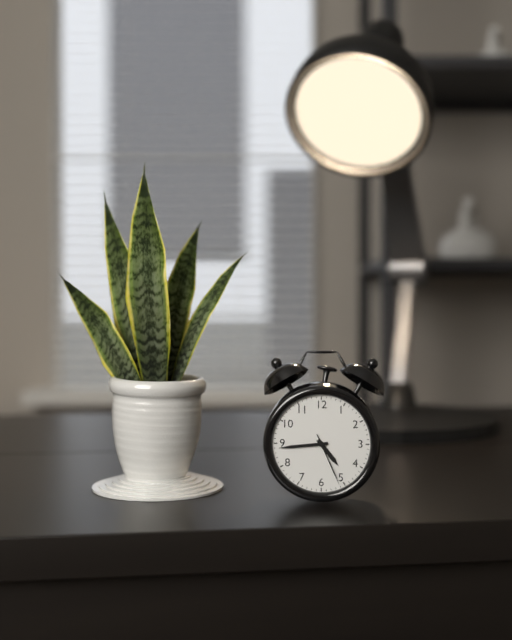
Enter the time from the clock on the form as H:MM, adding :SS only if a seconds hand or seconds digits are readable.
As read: 4:44:26
